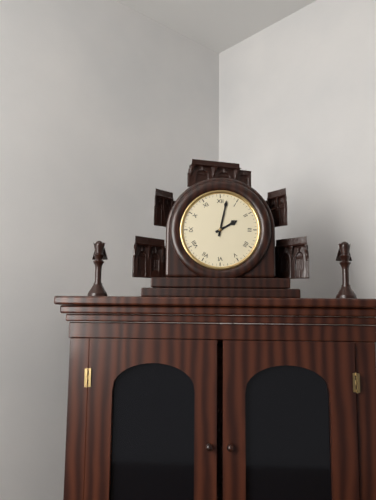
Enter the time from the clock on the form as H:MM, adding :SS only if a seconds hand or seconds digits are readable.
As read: 2:02
